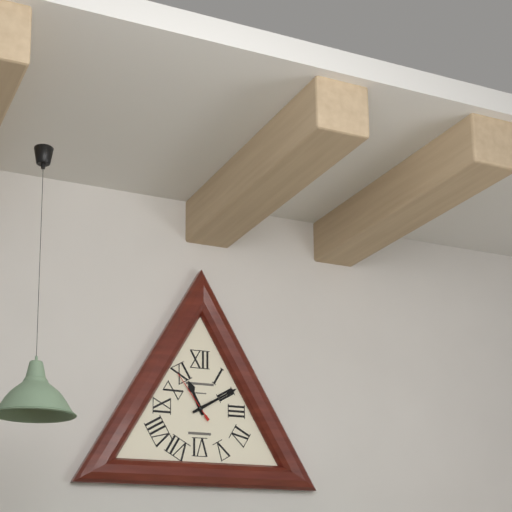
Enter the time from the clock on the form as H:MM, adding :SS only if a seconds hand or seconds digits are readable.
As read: 11:10:54
